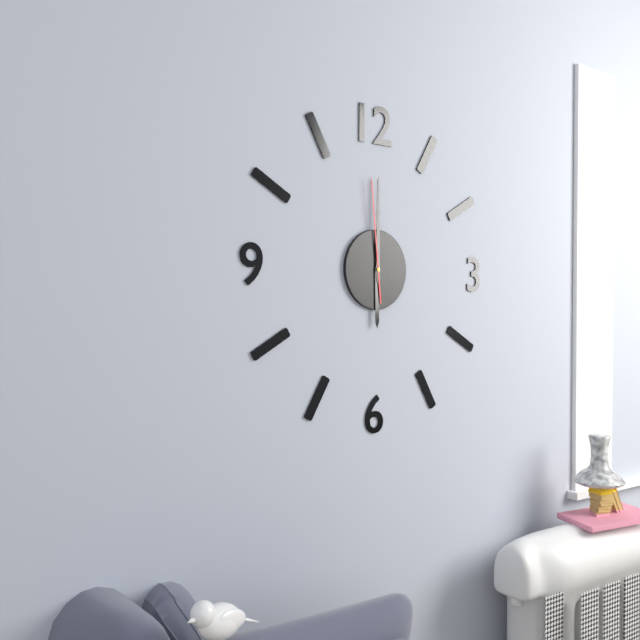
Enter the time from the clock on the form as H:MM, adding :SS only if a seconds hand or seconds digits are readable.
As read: 6:00:59
